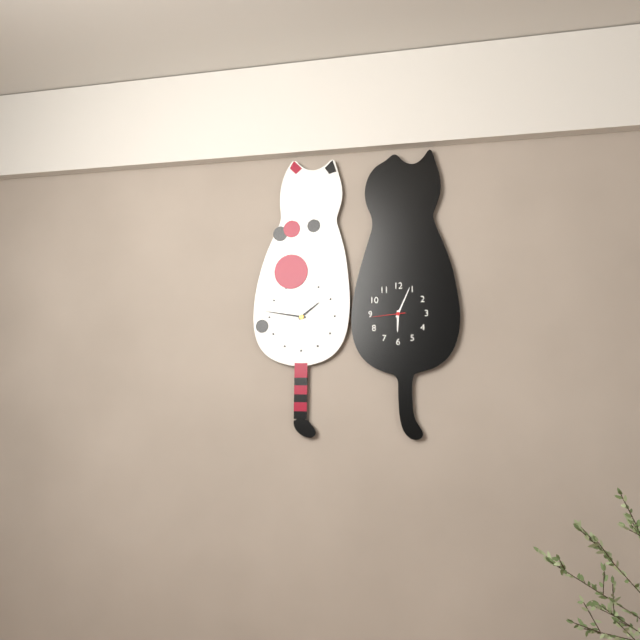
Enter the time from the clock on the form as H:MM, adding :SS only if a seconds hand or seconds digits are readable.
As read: 6:04
